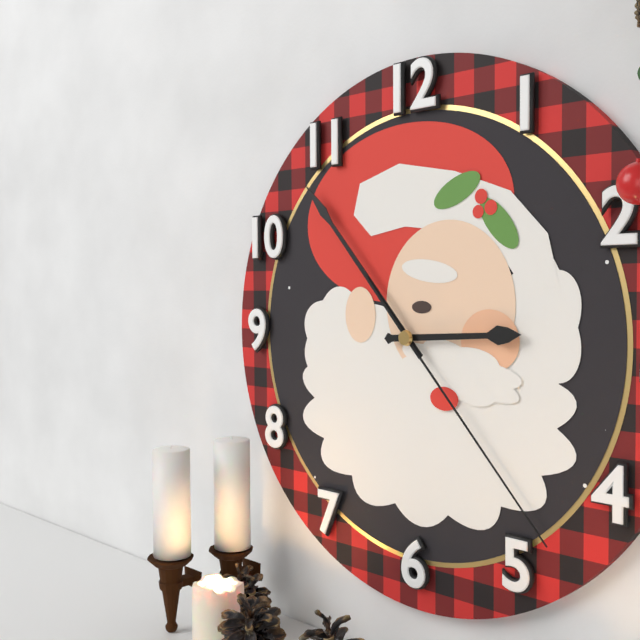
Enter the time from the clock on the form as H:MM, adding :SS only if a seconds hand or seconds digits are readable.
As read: 2:53:23
